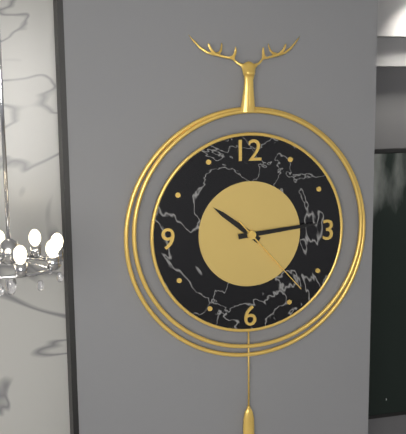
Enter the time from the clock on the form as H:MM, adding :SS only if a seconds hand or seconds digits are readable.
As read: 10:14:23
